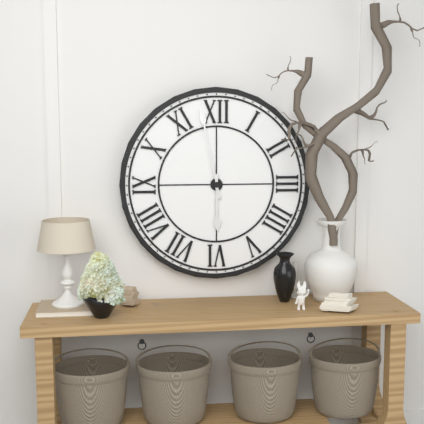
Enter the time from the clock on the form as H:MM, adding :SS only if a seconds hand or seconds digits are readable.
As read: 5:58
